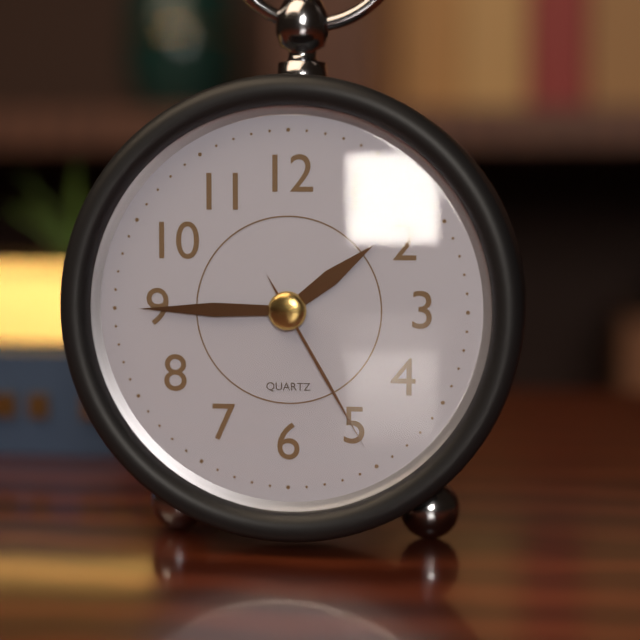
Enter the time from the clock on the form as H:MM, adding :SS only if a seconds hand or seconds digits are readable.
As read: 1:45:25
